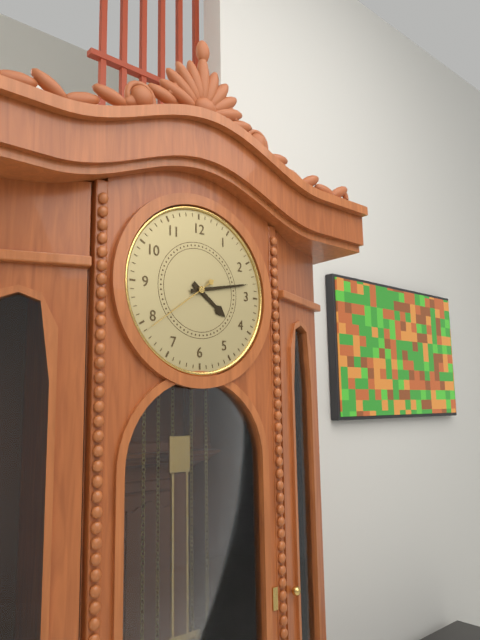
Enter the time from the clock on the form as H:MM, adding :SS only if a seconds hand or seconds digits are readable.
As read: 4:13:39
